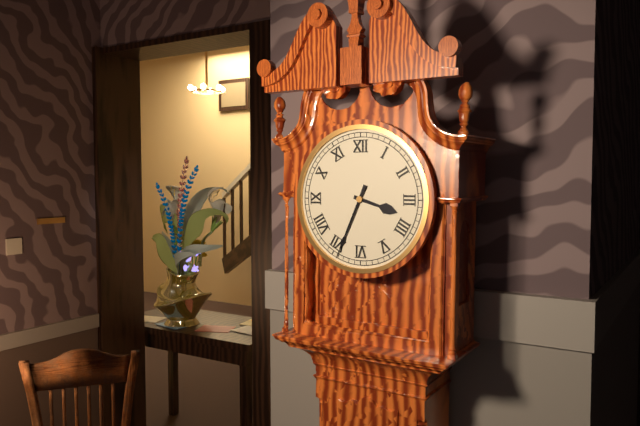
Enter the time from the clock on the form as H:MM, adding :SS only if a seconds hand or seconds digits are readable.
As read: 3:34
